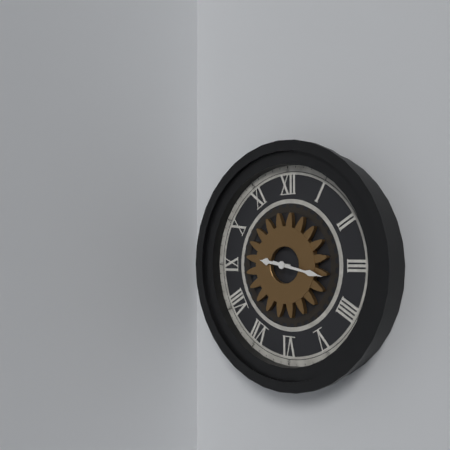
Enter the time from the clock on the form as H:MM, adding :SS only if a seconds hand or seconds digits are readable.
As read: 9:17
